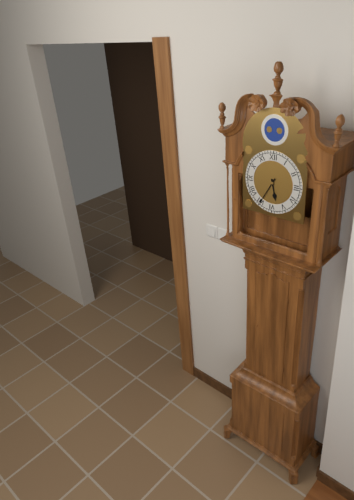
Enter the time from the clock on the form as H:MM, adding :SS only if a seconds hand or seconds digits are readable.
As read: 5:35
